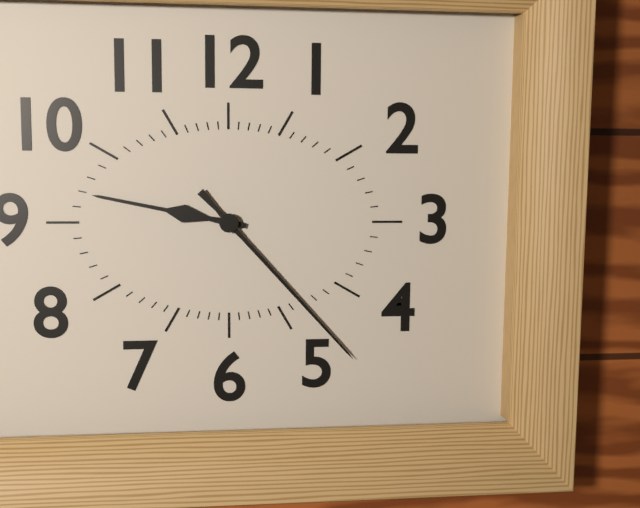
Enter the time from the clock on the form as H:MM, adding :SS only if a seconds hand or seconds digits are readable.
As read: 9:23
